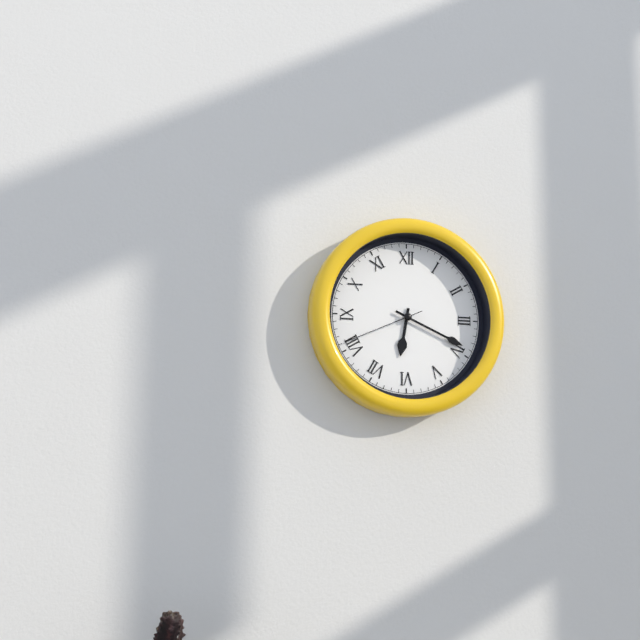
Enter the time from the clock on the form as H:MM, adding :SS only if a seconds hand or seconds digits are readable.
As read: 6:19:41
